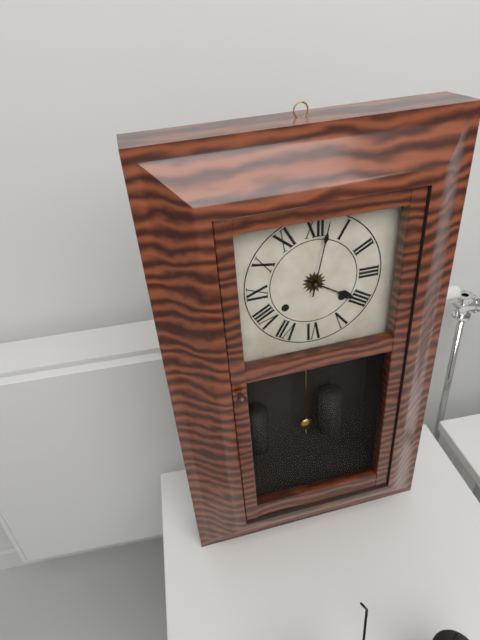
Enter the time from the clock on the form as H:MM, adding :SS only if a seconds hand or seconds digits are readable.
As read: 4:02
